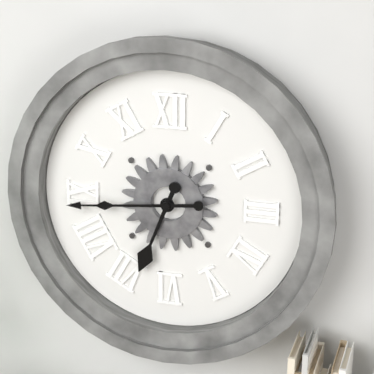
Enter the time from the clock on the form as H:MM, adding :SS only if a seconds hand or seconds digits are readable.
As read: 6:44
